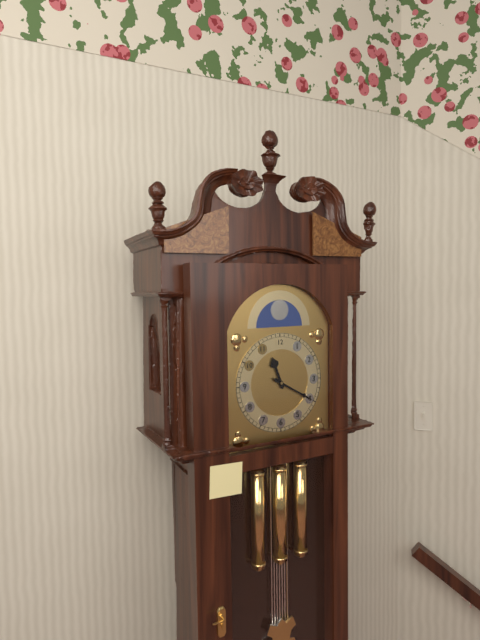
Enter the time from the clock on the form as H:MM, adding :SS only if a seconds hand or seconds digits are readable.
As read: 11:20
